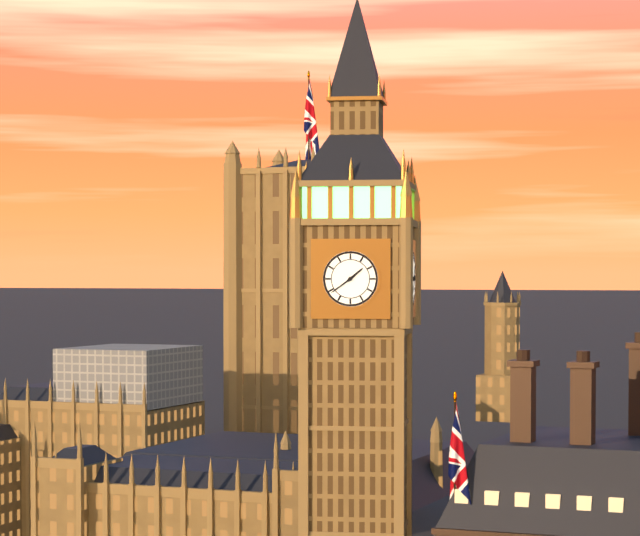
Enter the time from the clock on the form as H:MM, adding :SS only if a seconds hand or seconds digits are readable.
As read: 1:39
